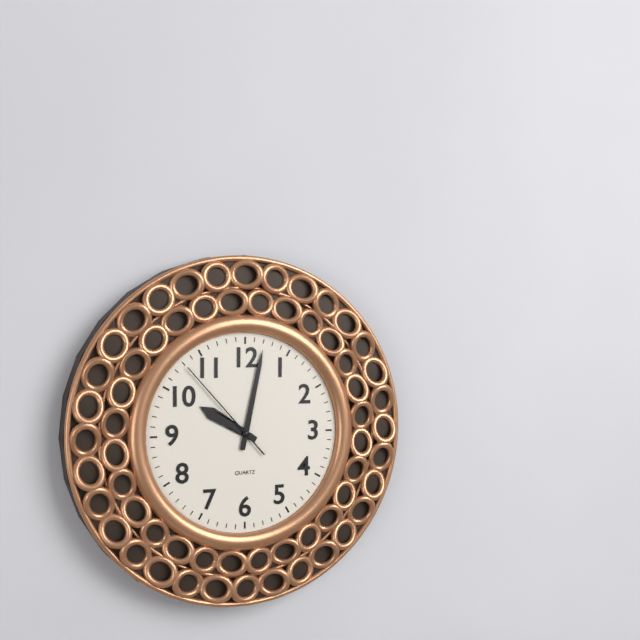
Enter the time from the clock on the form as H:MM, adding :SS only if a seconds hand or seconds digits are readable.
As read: 10:02:53
